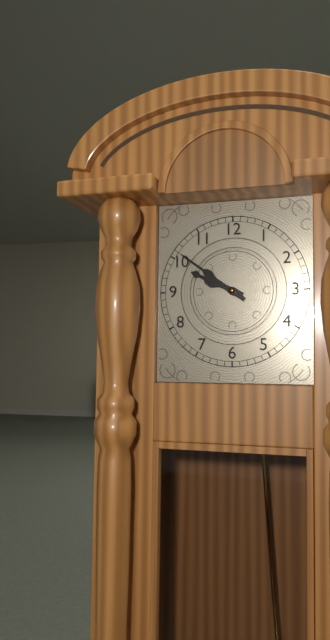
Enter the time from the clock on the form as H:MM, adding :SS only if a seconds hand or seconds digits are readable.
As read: 9:51
